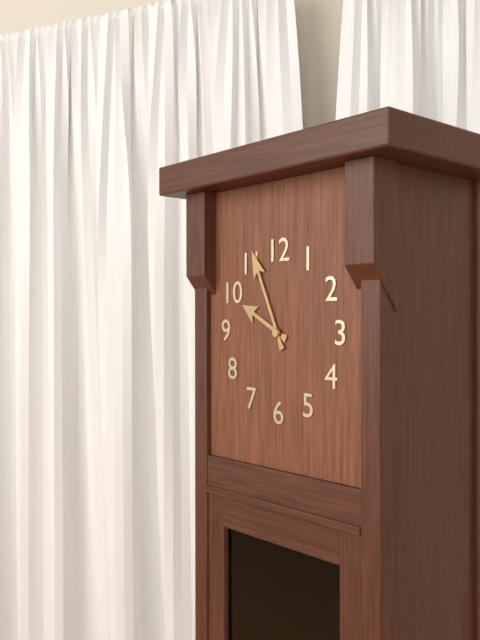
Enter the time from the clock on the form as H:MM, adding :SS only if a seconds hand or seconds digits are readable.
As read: 9:56
